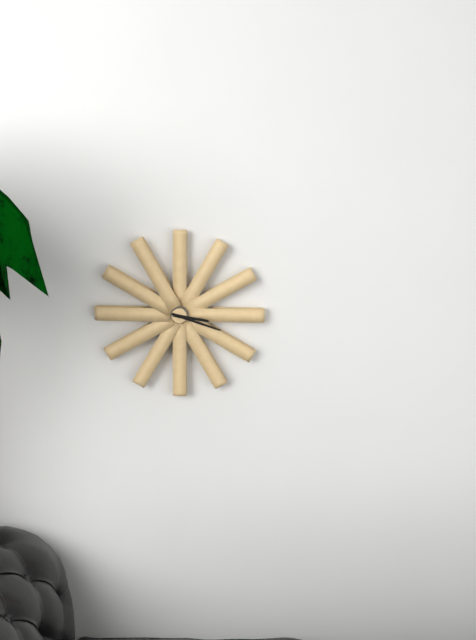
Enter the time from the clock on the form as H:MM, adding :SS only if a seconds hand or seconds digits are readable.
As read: 3:18
